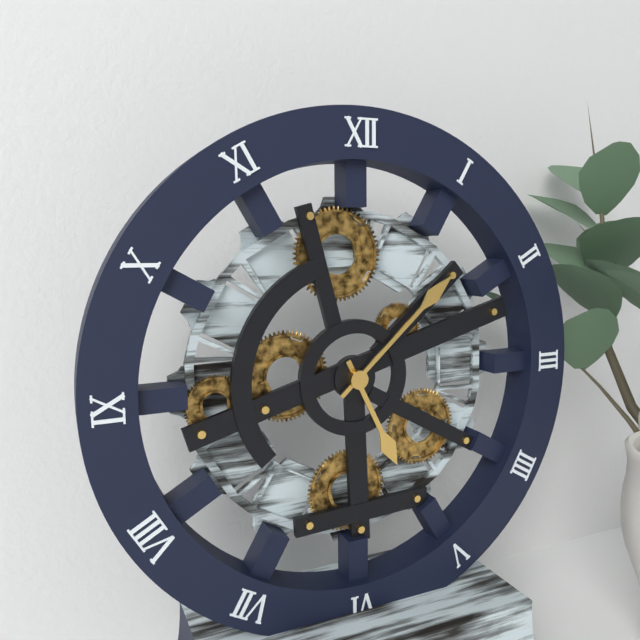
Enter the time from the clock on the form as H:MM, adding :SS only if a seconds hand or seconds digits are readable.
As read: 5:08
